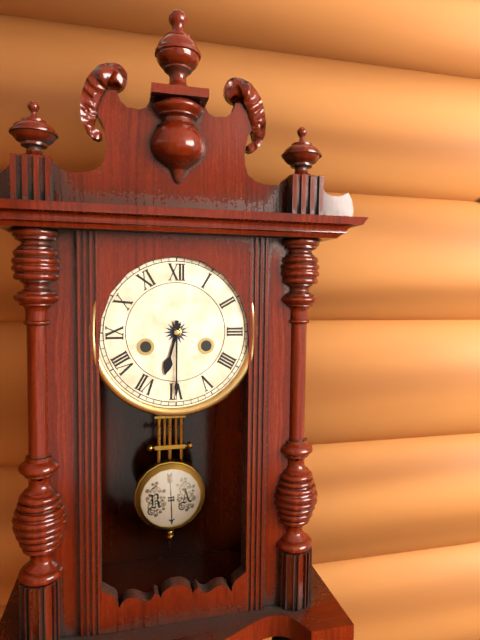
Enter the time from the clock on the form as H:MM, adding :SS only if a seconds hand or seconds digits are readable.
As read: 6:30
